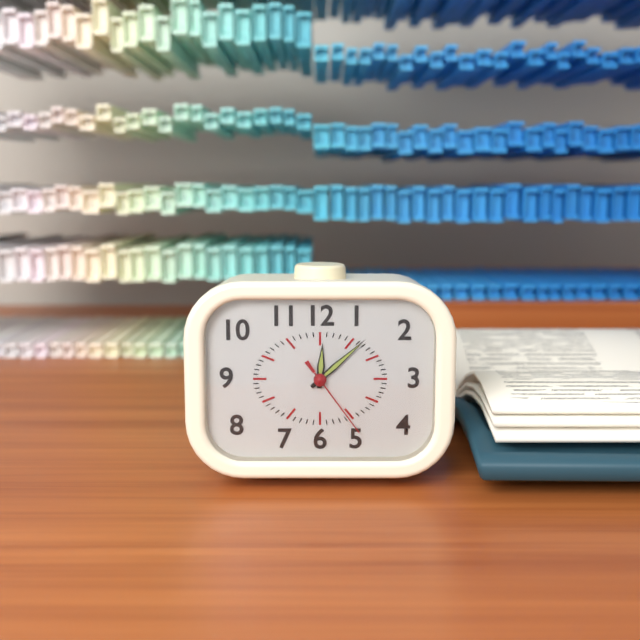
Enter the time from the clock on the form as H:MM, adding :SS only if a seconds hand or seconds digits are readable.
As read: 12:08:24
